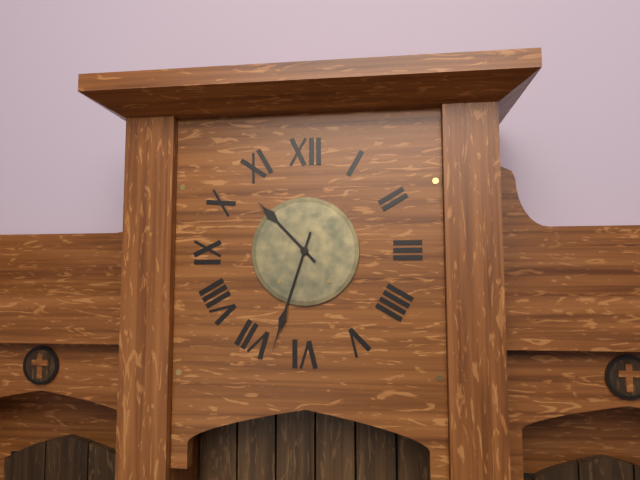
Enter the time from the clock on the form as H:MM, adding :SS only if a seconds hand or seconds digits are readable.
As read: 10:33
